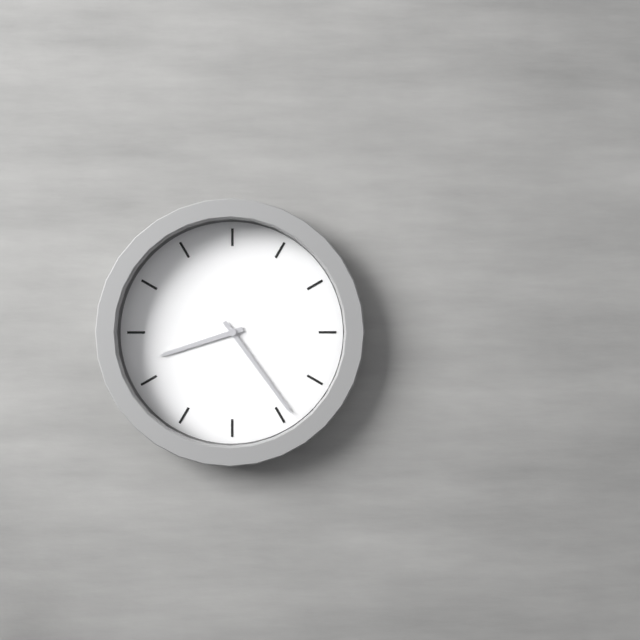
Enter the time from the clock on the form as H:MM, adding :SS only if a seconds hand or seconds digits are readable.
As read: 8:24
